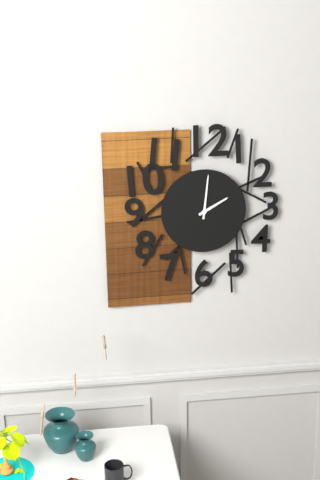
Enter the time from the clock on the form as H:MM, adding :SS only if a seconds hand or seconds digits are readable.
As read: 2:01
